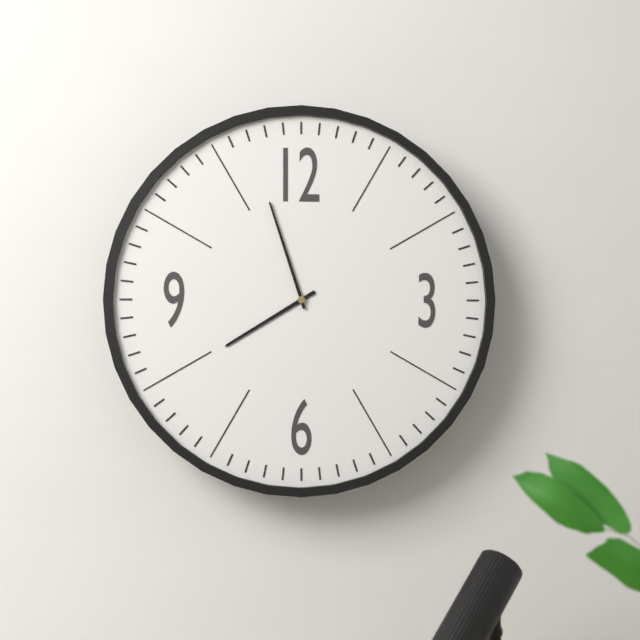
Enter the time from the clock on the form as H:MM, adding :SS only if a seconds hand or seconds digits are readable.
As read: 7:57
